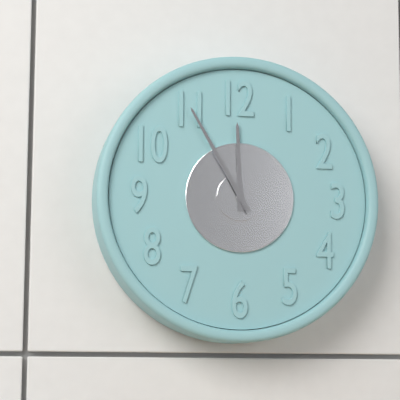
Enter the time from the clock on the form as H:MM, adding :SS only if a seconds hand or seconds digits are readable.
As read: 11:55
